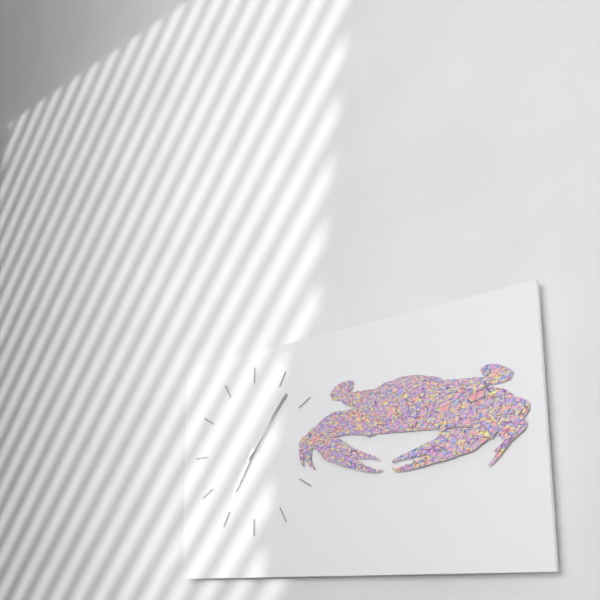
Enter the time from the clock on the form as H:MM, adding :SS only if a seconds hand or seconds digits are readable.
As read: 7:07
